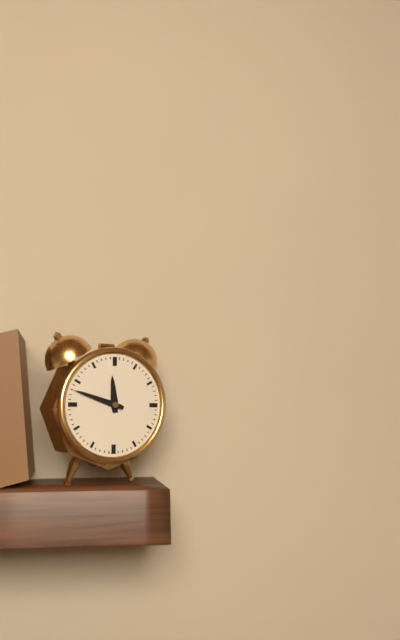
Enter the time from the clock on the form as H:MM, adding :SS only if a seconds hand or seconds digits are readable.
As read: 11:48
